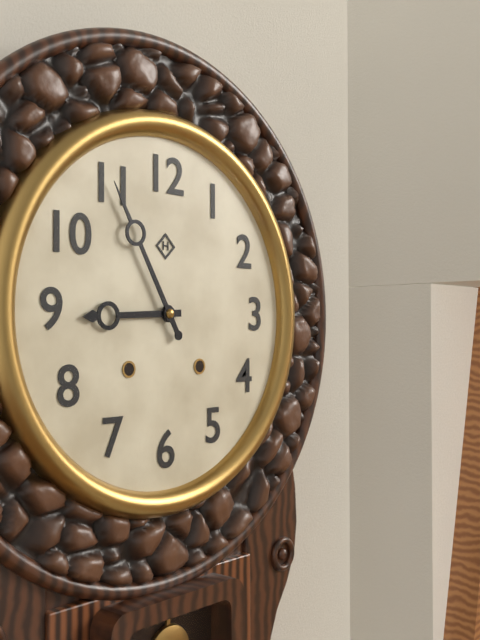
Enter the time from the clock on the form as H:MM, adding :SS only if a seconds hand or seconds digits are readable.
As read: 8:55
